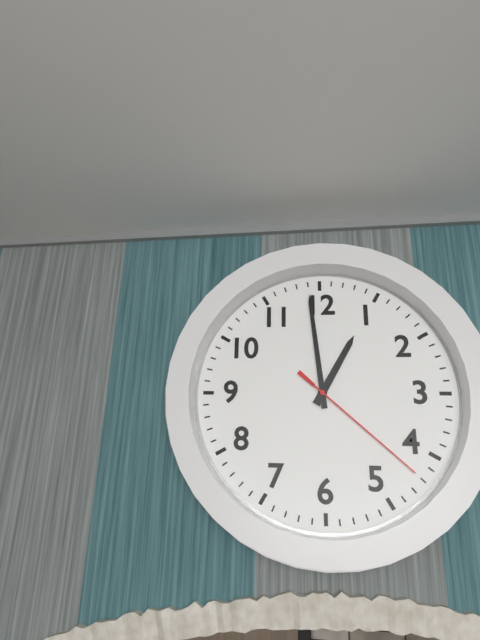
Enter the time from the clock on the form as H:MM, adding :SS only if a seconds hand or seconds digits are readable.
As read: 12:59:22
